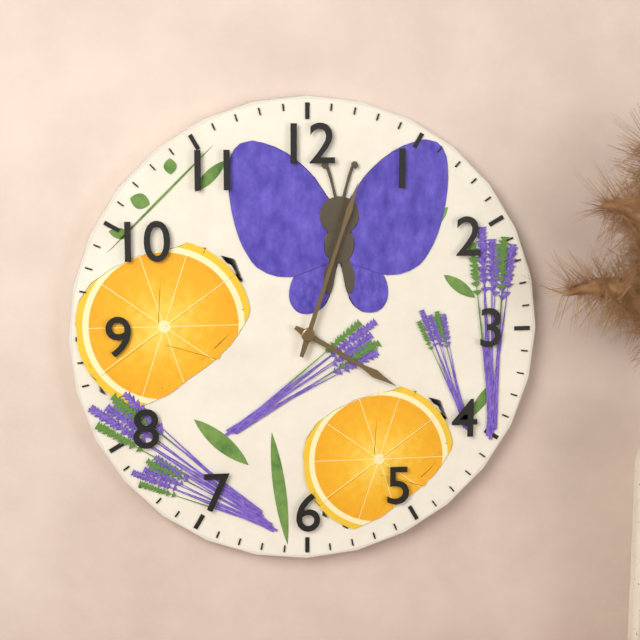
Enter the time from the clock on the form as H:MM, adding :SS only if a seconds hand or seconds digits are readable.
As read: 4:03
